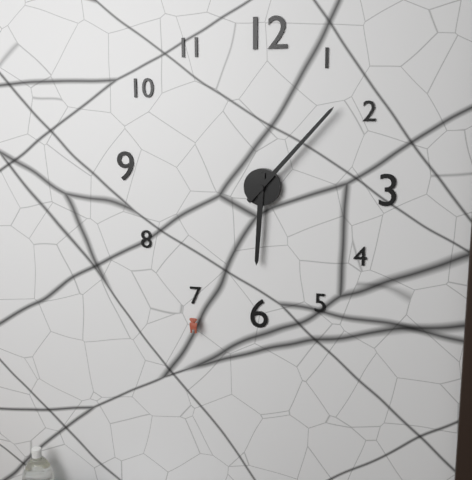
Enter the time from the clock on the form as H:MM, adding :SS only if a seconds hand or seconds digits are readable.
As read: 6:07
